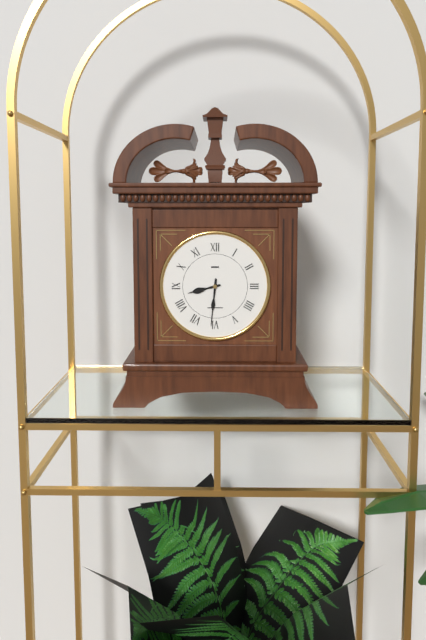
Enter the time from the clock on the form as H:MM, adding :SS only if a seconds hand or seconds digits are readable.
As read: 8:31
